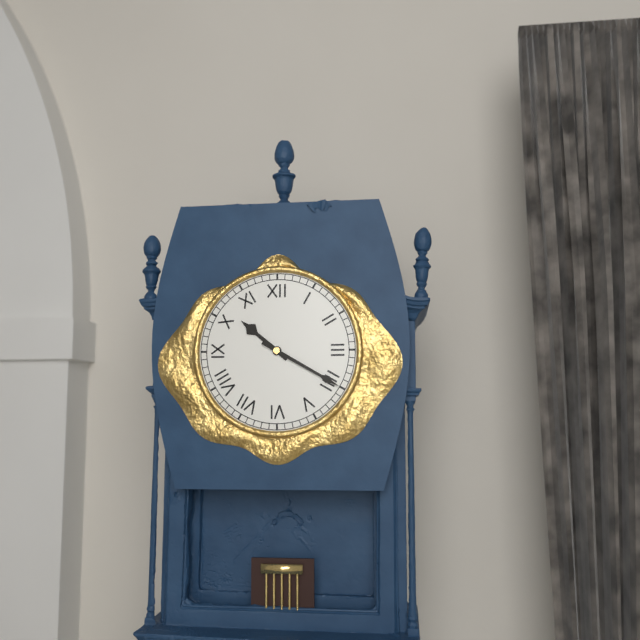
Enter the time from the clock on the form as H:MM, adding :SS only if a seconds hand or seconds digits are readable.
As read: 10:20
